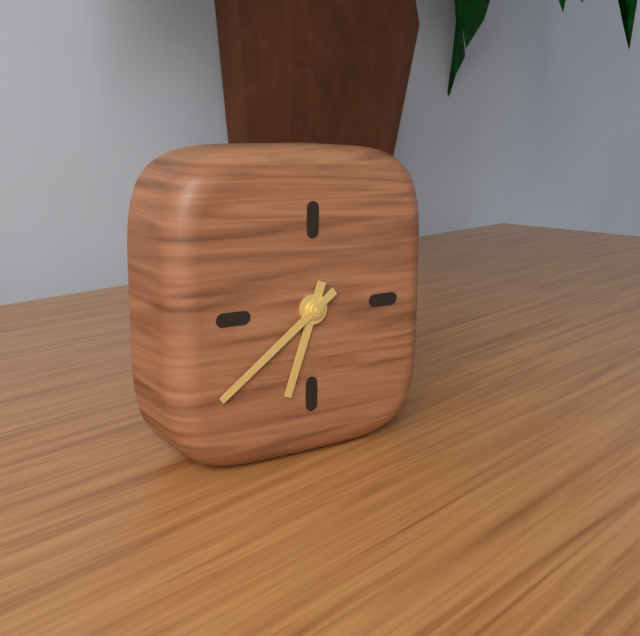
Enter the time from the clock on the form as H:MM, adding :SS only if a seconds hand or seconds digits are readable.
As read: 6:39
